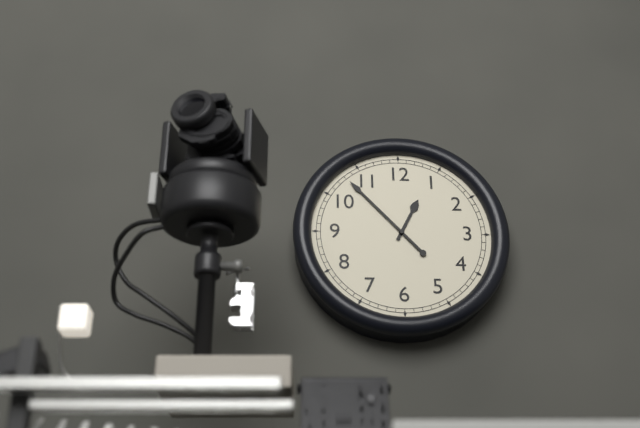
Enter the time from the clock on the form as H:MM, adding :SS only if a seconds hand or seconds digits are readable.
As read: 12:53
